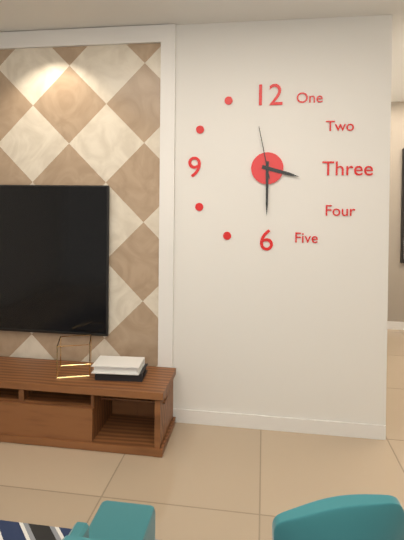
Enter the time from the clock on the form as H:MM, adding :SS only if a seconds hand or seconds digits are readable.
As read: 3:30:58
